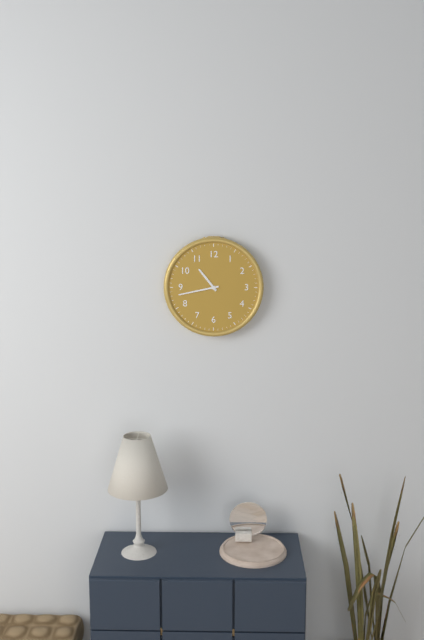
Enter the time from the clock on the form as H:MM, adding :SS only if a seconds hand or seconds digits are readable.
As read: 10:43
